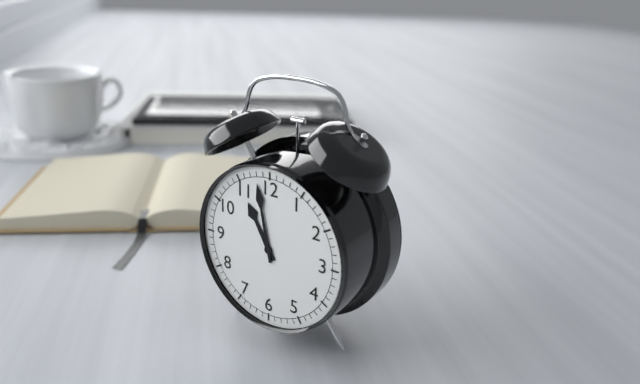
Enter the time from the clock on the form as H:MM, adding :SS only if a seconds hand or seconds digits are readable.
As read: 10:58
